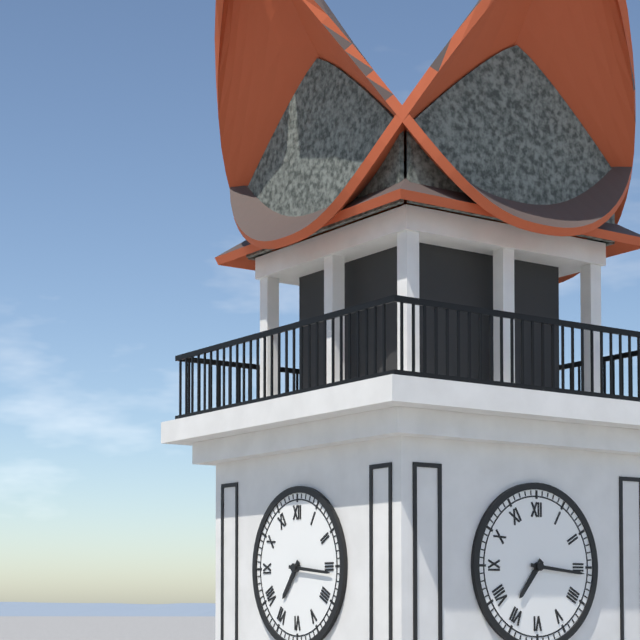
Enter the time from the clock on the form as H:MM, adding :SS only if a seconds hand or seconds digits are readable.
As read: 7:16
